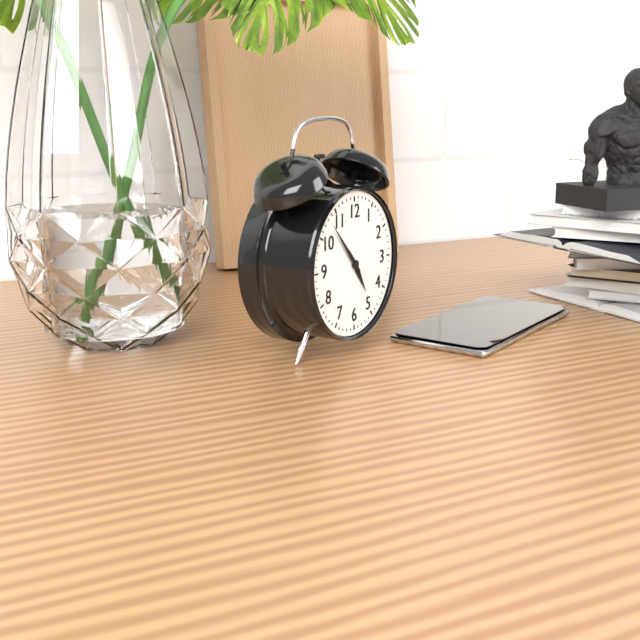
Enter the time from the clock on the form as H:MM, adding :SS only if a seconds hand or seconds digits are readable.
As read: 4:53
